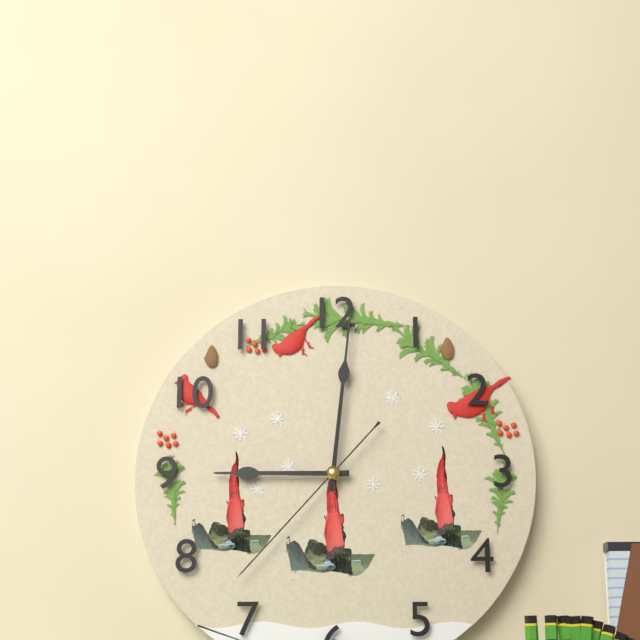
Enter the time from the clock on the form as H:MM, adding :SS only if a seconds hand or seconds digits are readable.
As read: 9:01:37
